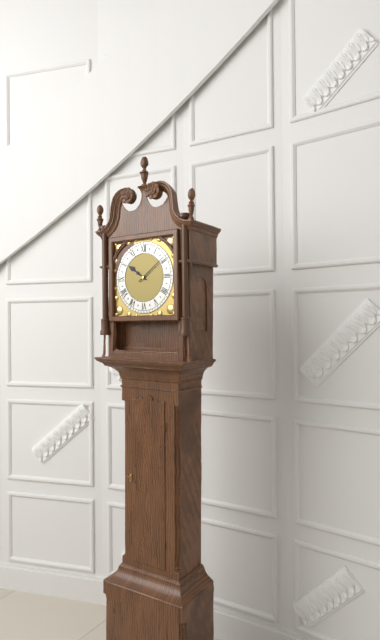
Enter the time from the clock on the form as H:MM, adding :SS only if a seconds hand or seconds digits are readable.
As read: 10:09
